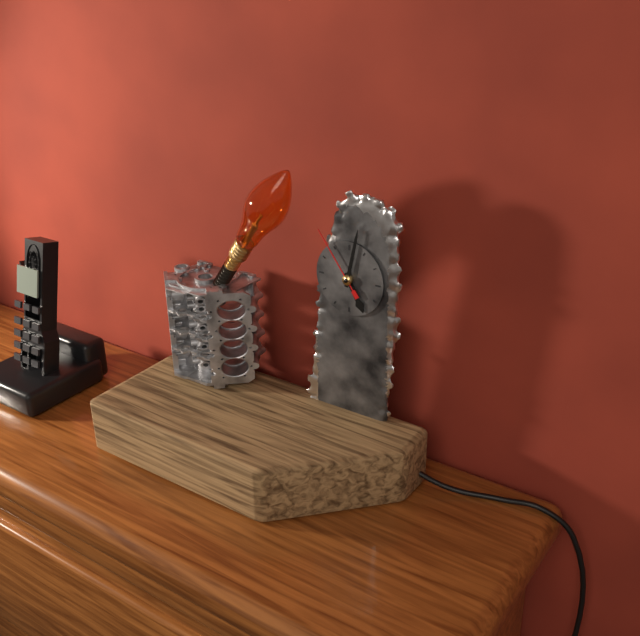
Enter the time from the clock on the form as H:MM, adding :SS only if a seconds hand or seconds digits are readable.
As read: 5:02:54
